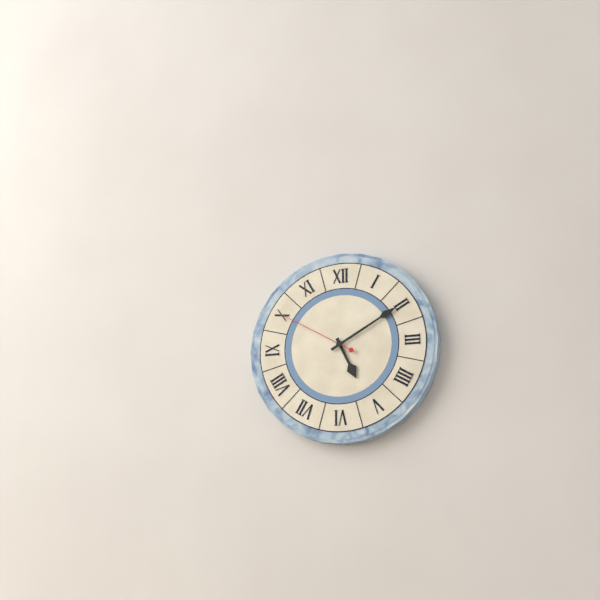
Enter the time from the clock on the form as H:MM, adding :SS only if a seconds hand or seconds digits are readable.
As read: 5:10:50
